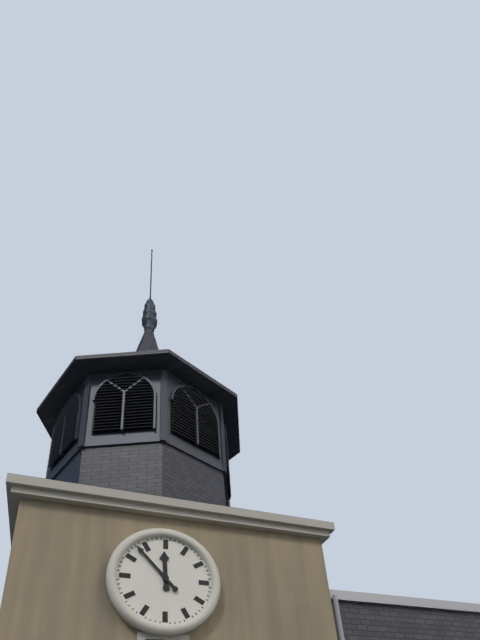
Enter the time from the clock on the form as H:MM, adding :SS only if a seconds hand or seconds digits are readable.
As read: 11:53
